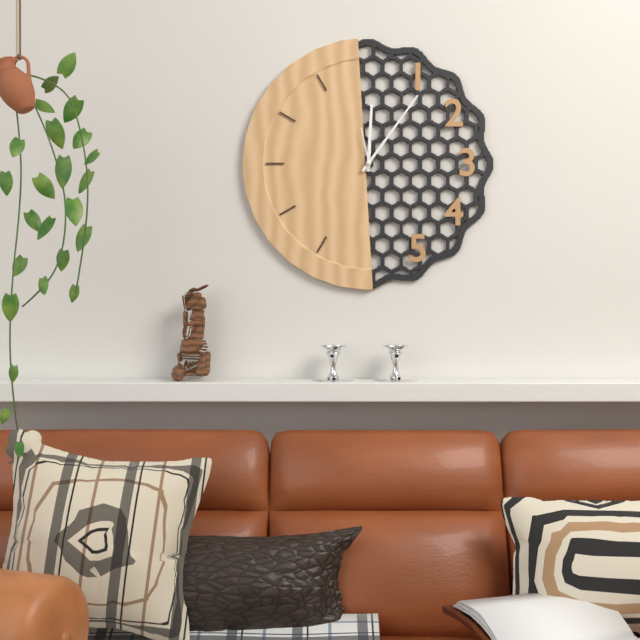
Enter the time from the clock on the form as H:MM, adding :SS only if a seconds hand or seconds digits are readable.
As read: 12:06
